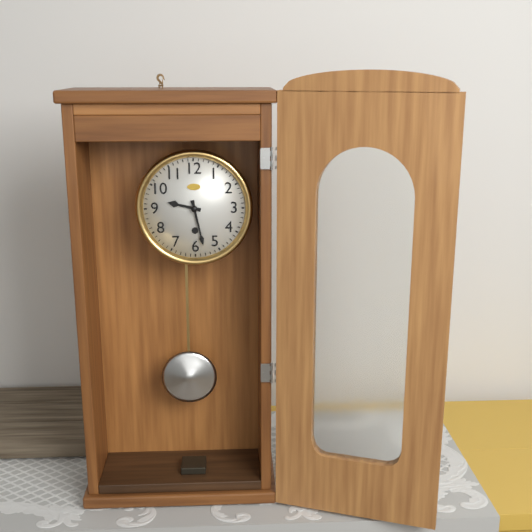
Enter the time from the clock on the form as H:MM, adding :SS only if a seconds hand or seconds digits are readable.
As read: 9:28
